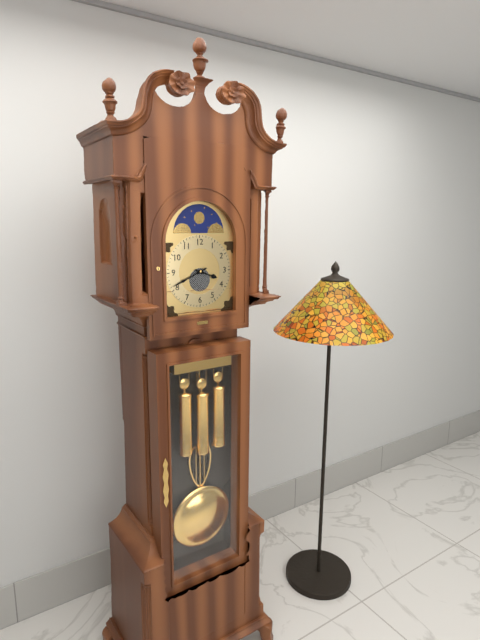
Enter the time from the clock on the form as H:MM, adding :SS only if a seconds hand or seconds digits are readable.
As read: 3:41
